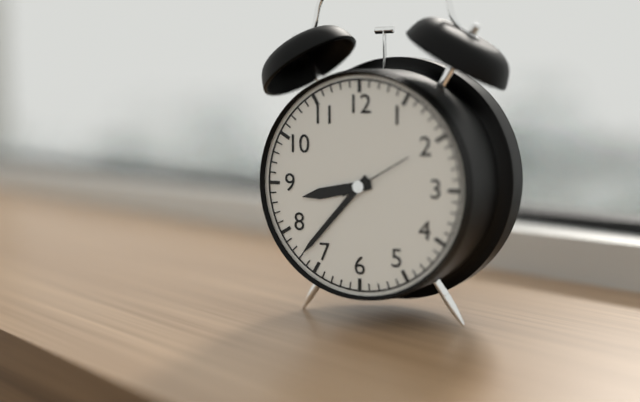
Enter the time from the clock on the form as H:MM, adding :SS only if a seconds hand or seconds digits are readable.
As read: 8:37
